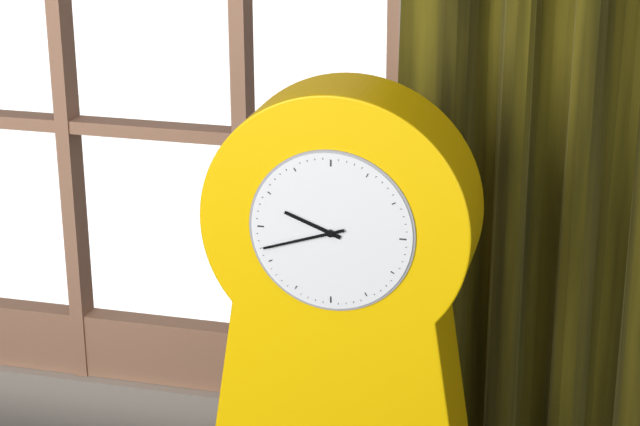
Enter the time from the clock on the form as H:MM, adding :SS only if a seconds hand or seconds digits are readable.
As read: 9:42
